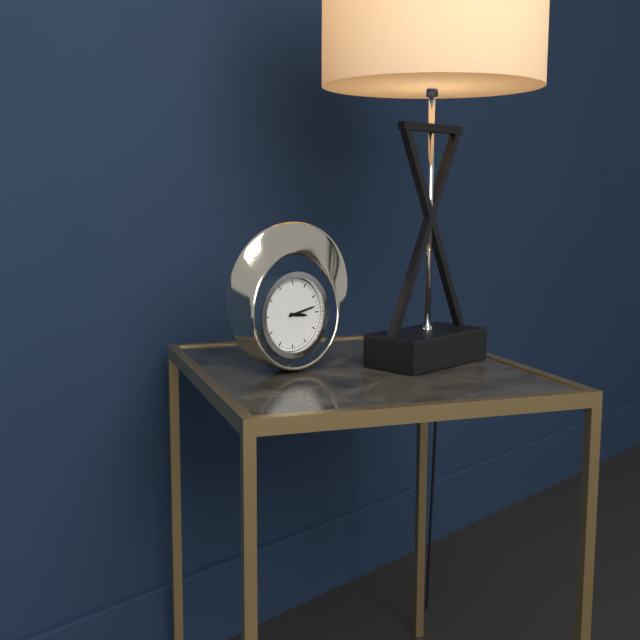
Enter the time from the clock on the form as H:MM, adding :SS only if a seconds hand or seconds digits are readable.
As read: 3:13
